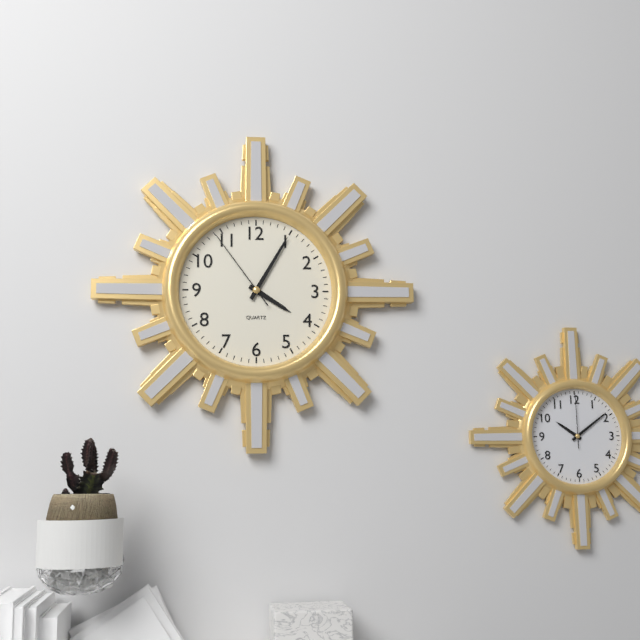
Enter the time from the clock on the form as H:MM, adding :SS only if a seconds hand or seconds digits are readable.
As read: 4:05:54
